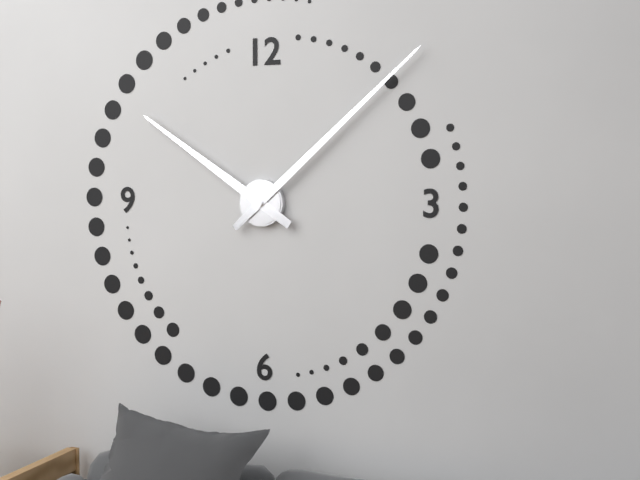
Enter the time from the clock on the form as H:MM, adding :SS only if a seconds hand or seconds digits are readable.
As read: 10:08
